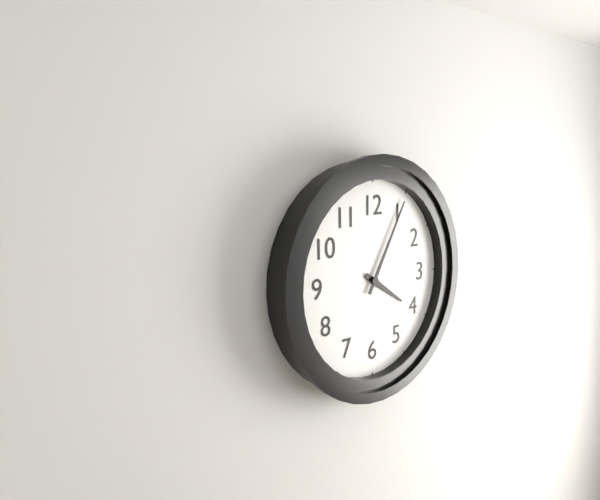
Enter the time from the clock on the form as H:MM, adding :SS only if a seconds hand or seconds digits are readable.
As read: 4:05
